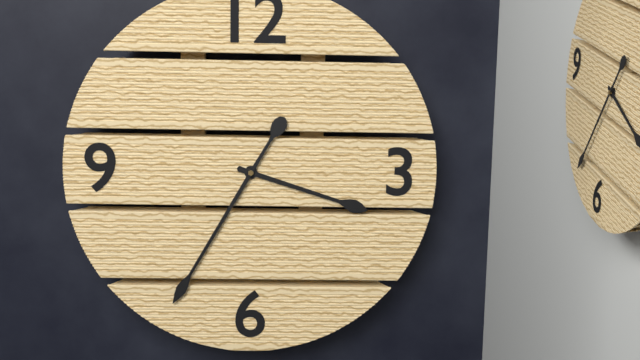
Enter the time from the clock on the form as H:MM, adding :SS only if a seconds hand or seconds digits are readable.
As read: 3:35
